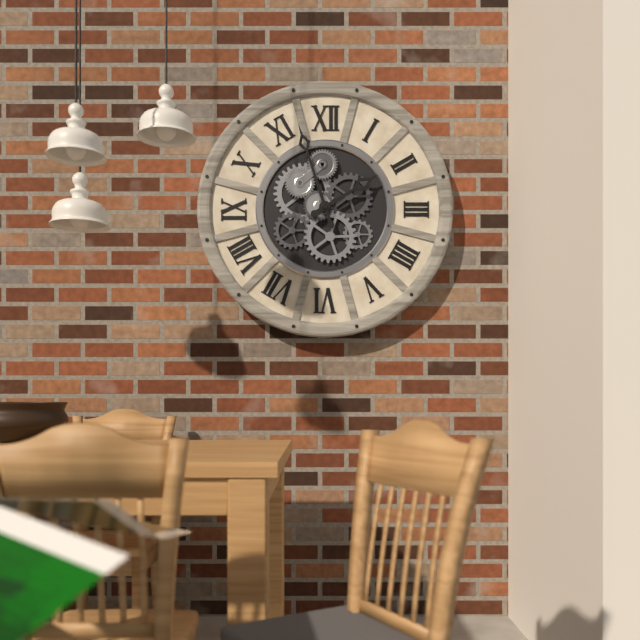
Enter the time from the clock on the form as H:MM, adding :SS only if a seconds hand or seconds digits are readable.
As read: 1:57
